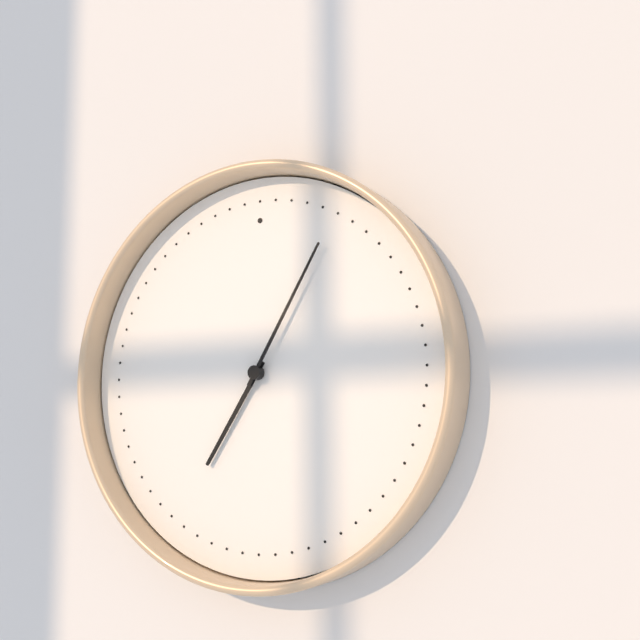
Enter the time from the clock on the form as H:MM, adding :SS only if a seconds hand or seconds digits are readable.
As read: 7:05
